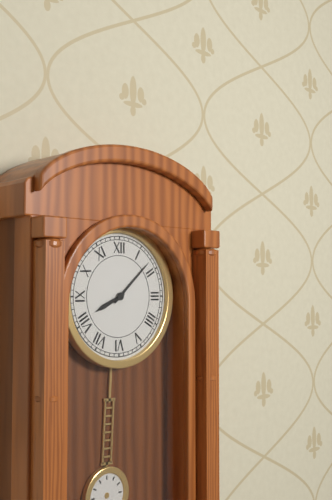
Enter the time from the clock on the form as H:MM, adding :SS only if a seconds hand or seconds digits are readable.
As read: 8:08
